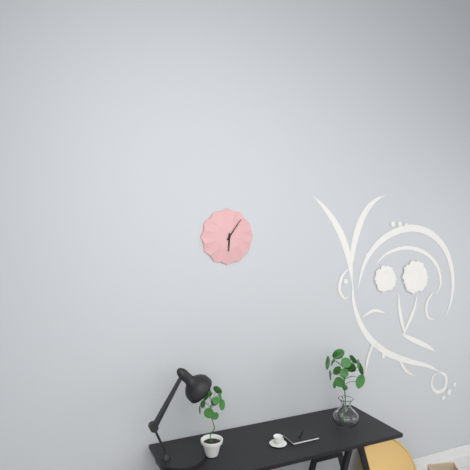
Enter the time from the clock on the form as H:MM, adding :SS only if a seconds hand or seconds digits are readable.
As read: 6:06
